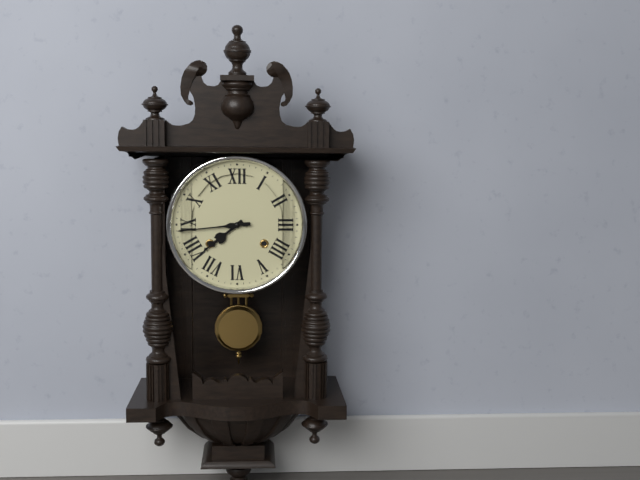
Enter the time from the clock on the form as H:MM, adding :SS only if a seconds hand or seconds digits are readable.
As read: 7:44
